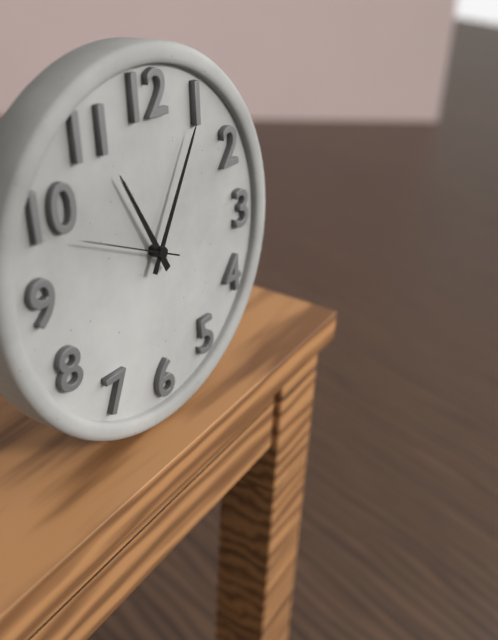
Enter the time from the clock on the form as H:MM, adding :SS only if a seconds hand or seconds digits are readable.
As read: 11:05:49
